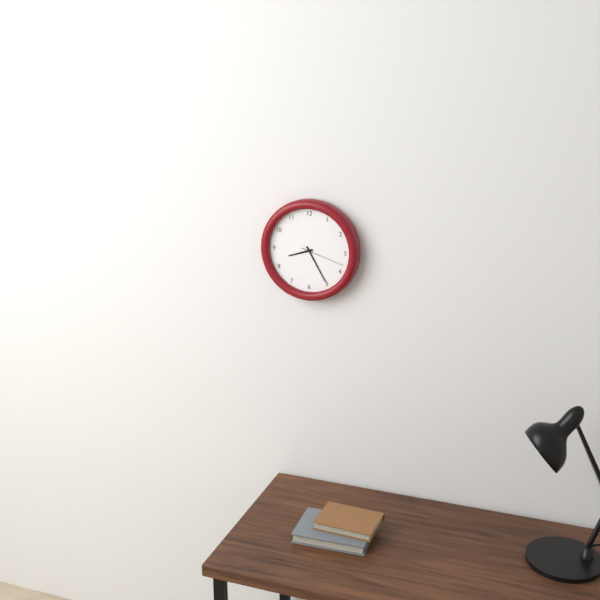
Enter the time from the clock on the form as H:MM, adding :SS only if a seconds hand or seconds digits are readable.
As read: 8:25
